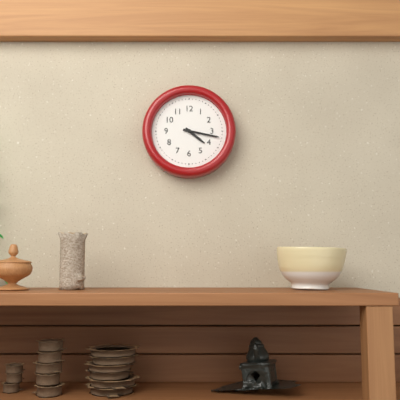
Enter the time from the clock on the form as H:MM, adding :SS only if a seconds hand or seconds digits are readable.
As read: 4:17
